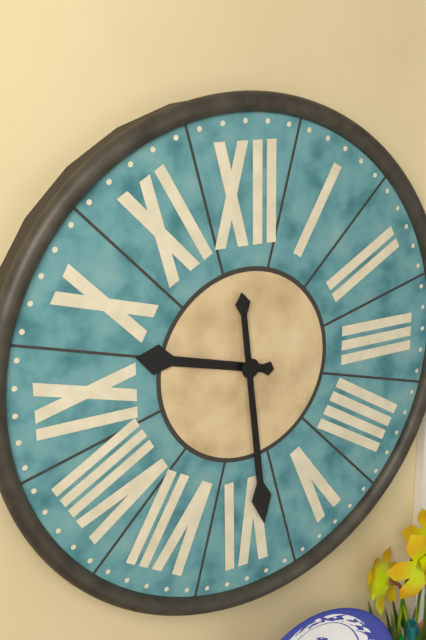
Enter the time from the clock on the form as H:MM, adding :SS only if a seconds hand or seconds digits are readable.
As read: 9:29
